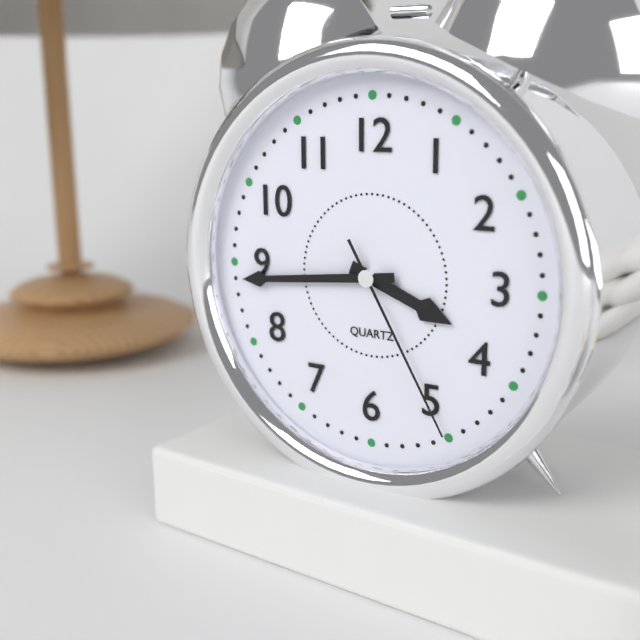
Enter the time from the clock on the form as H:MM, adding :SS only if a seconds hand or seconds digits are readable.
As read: 3:44:25
